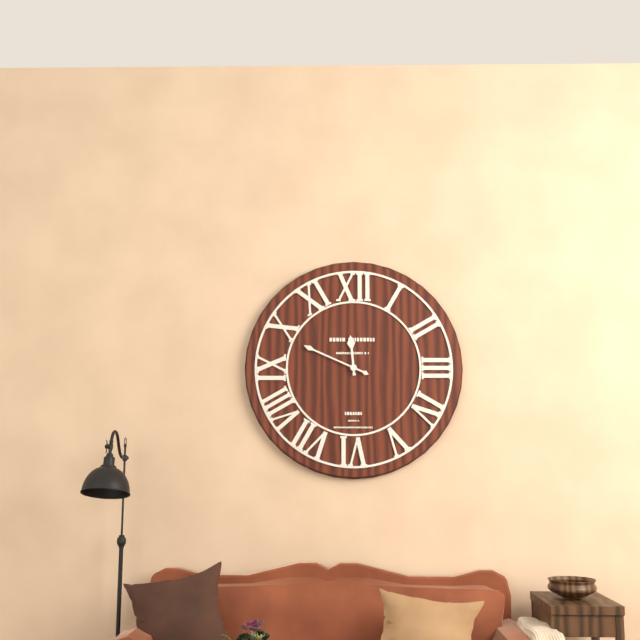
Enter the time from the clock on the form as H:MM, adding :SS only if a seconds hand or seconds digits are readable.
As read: 11:49
